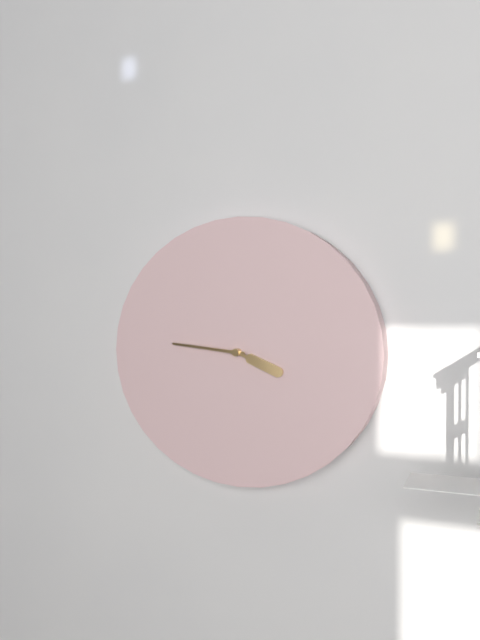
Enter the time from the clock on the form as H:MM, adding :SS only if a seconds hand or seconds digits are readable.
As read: 3:46
